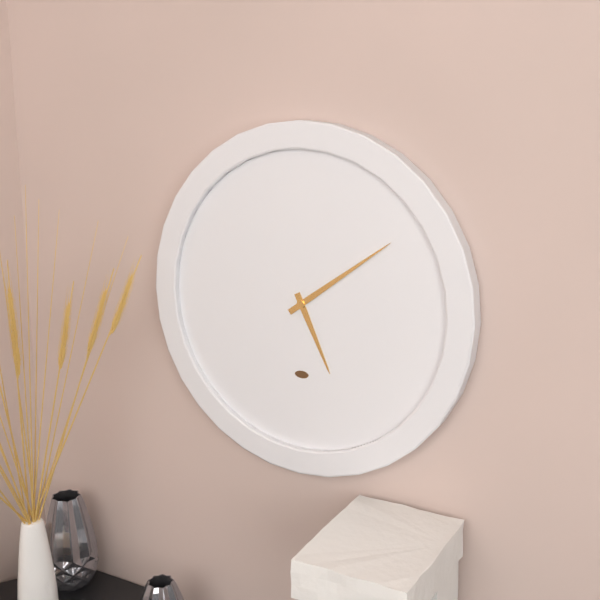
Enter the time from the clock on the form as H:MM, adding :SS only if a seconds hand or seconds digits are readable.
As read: 5:09
